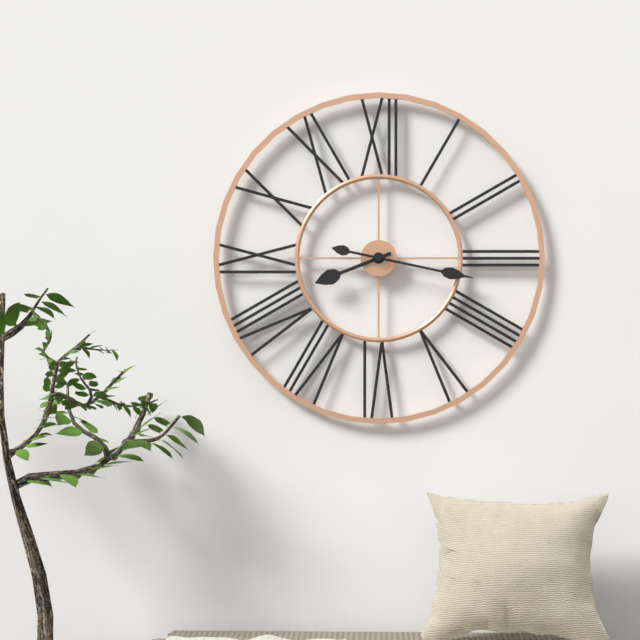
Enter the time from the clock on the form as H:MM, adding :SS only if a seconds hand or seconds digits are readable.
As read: 8:17
